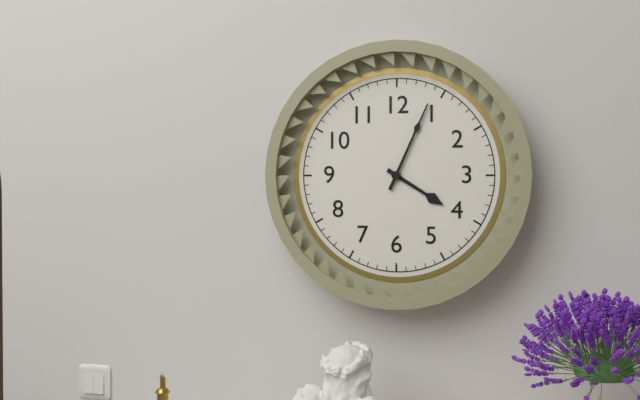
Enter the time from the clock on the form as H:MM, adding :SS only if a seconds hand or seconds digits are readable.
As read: 4:04
